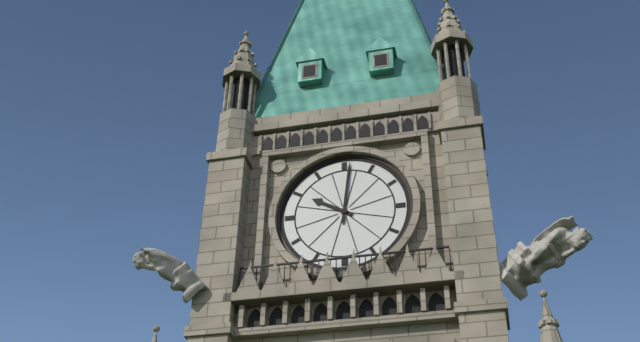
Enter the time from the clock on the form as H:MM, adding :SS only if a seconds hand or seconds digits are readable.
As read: 10:01
